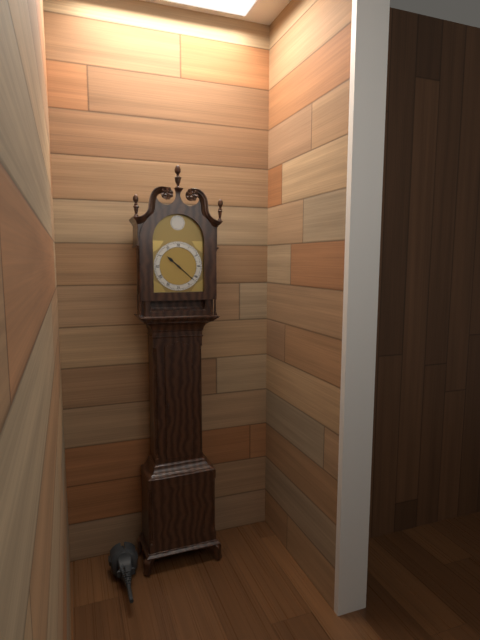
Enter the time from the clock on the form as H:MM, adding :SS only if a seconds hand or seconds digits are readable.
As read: 10:22
